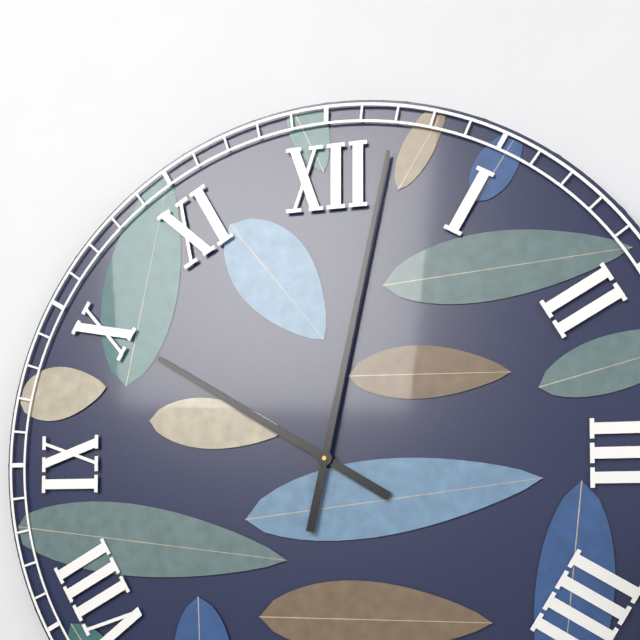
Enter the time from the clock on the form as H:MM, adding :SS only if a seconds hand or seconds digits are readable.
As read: 10:02
